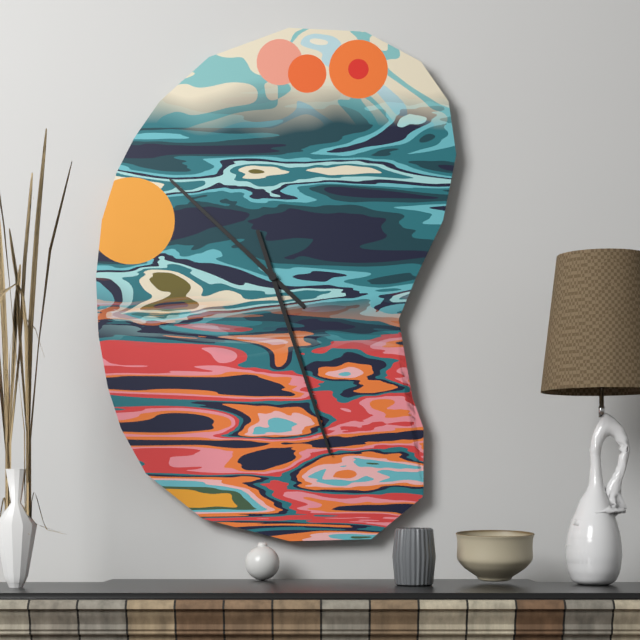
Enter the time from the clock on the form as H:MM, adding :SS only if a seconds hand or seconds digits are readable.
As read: 10:27
